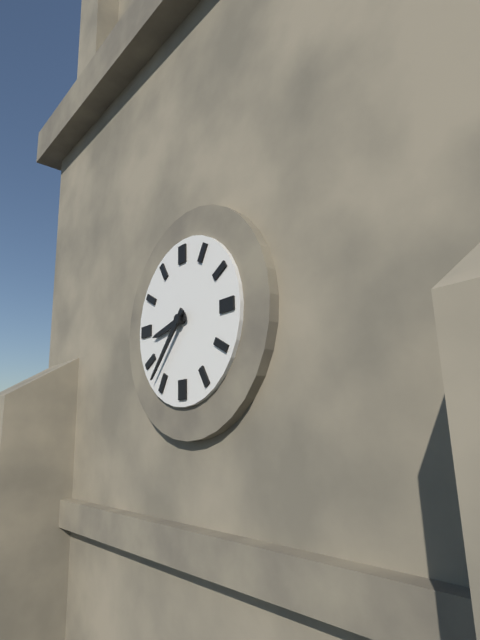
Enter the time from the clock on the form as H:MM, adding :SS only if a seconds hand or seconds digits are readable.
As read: 8:37
